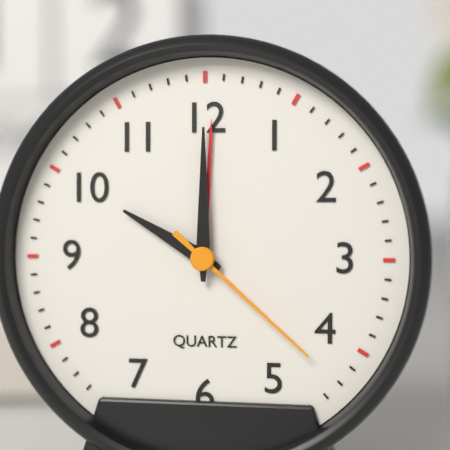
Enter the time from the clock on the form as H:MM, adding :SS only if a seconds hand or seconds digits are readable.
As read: 10:00:22
